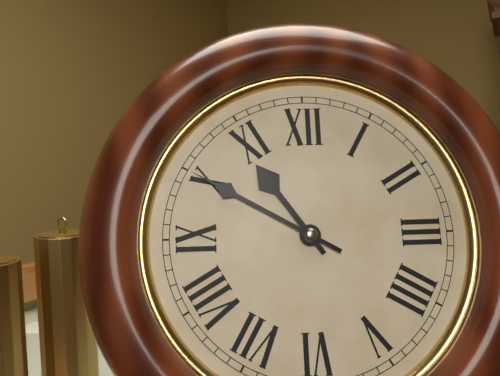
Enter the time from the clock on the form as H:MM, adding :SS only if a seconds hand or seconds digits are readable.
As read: 10:50
